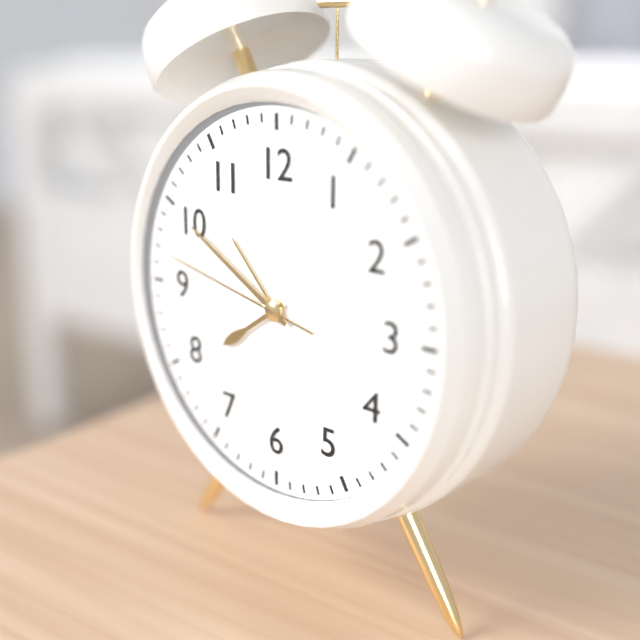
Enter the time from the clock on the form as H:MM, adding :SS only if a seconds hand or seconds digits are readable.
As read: 7:50:47
